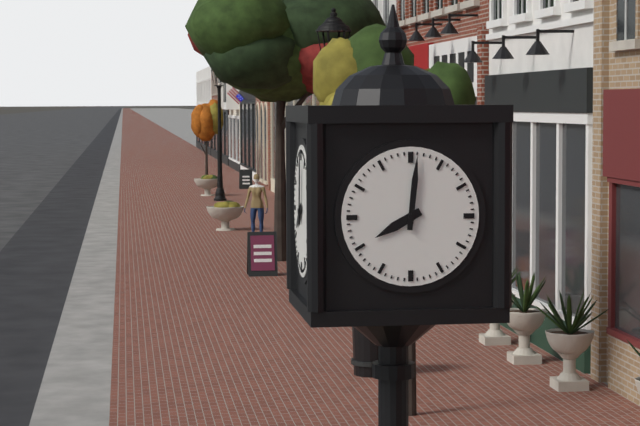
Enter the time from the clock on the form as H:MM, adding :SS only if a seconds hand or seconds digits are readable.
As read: 8:01
